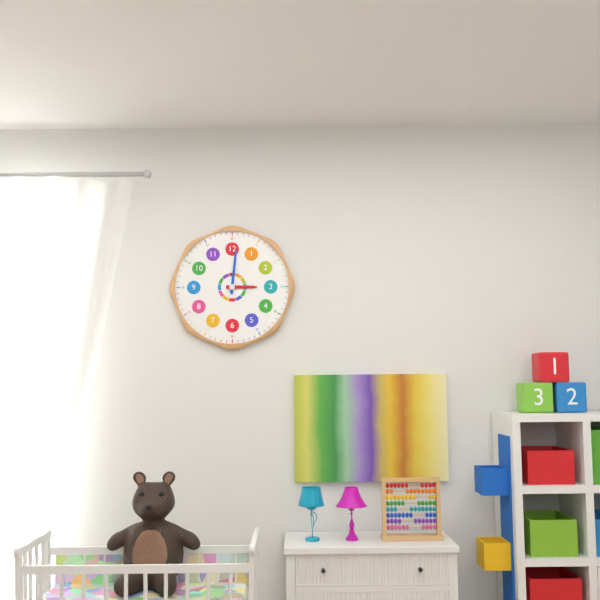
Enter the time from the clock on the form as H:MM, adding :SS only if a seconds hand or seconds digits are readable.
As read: 3:01
